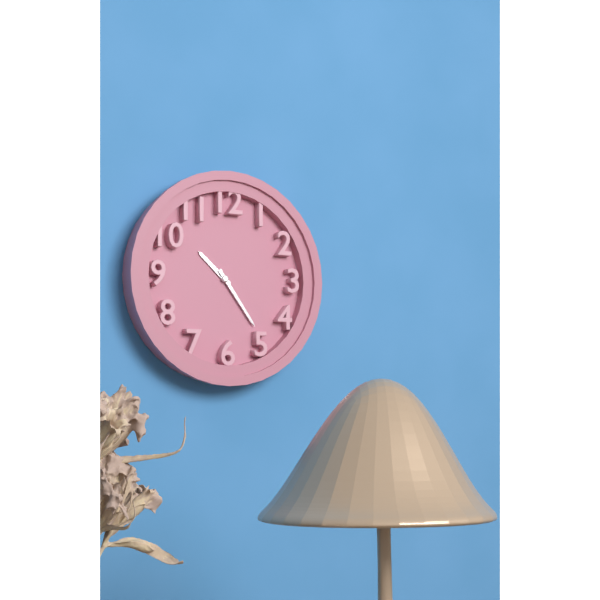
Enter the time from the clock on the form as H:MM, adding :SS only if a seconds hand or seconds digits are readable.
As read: 10:24
